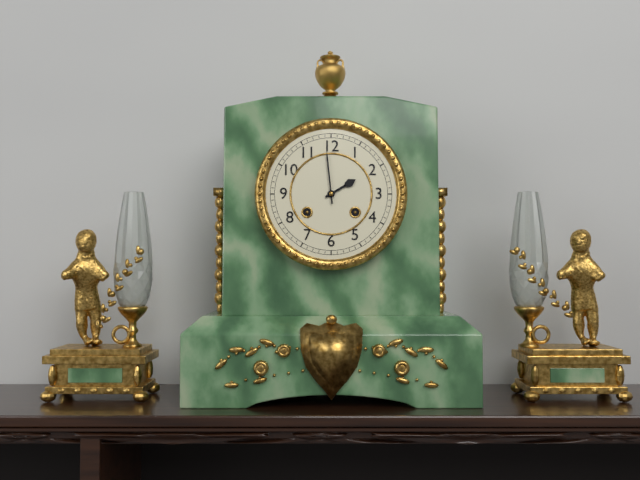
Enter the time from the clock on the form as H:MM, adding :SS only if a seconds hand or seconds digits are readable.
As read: 1:59
